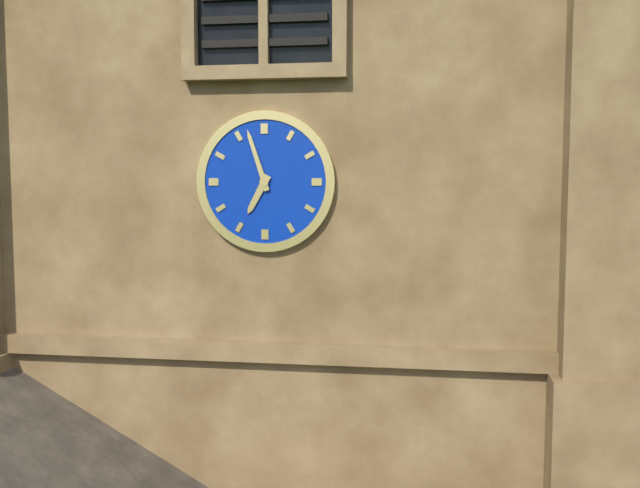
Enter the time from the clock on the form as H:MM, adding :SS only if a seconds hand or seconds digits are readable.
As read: 6:57
